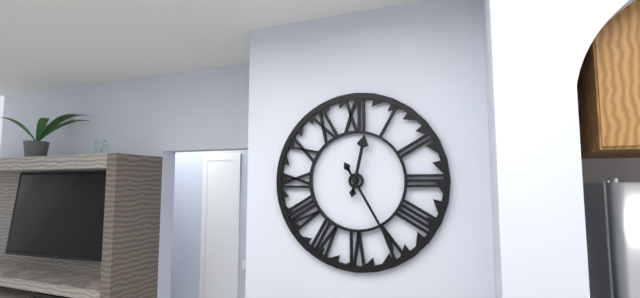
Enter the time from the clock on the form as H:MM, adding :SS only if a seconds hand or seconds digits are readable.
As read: 12:25
